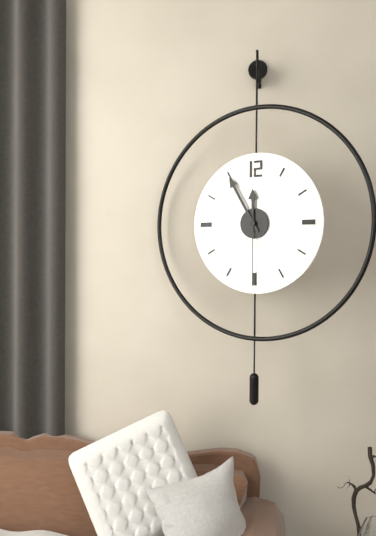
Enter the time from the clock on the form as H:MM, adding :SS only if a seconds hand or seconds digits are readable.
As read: 11:55:30
